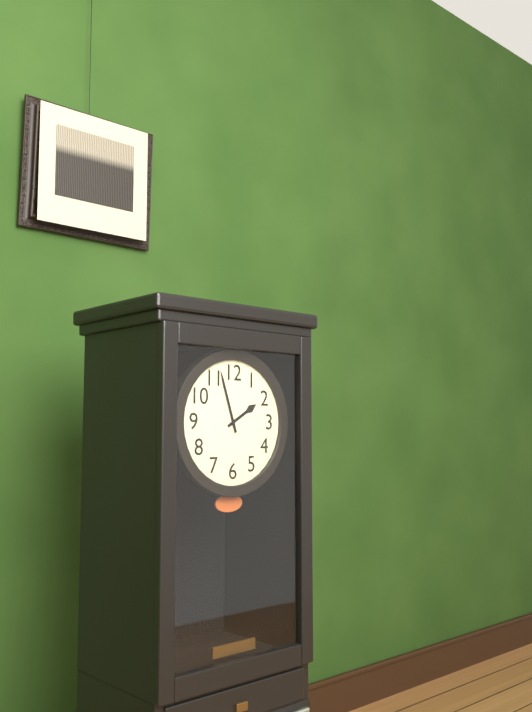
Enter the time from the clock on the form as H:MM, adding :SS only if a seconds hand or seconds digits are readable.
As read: 1:57
